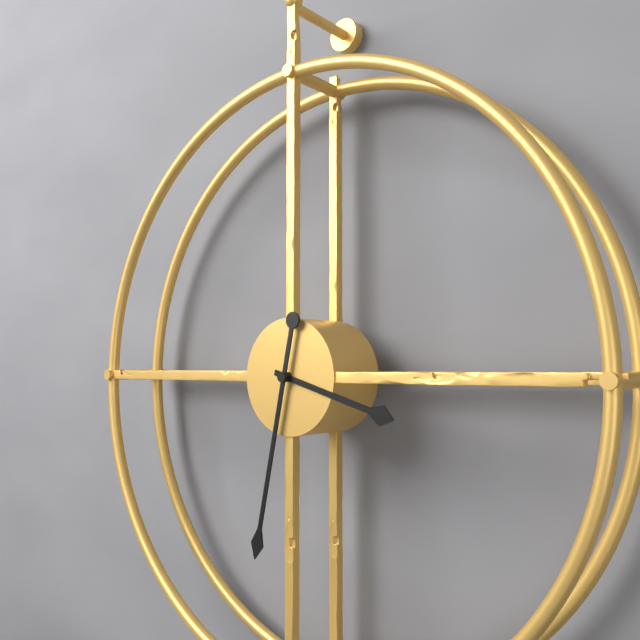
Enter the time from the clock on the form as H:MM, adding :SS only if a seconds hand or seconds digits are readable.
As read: 3:32
